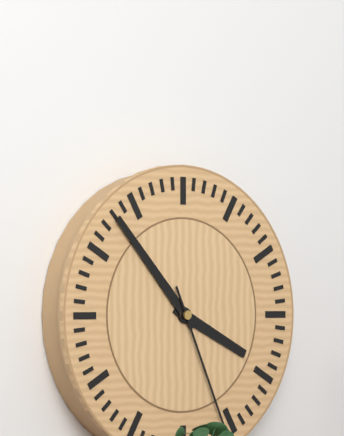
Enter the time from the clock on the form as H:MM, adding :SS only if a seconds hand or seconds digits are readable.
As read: 3:53
